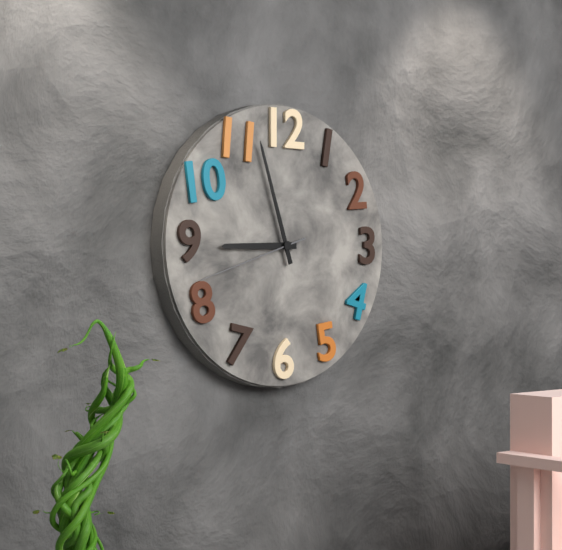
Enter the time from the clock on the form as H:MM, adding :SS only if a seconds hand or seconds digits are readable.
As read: 8:57:42
